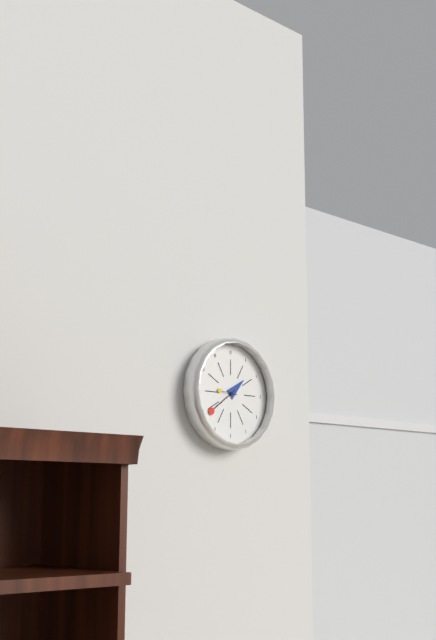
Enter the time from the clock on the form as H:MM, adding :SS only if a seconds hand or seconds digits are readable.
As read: 1:39
